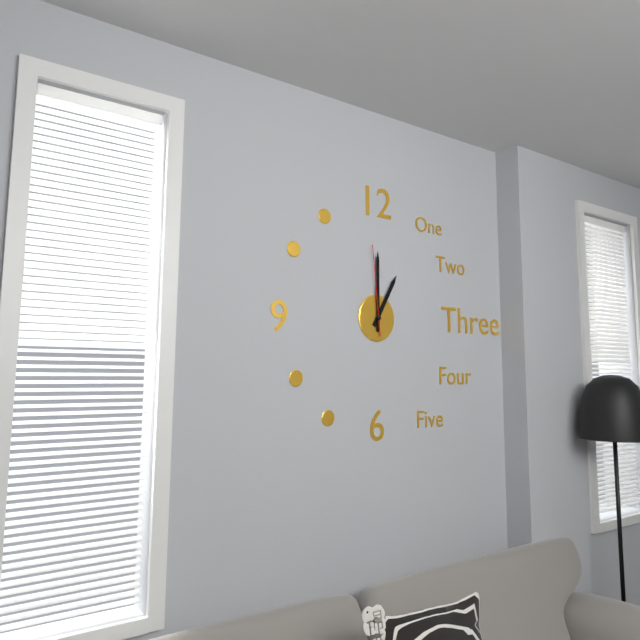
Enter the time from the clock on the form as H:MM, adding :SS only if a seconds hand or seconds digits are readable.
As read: 1:00:59
